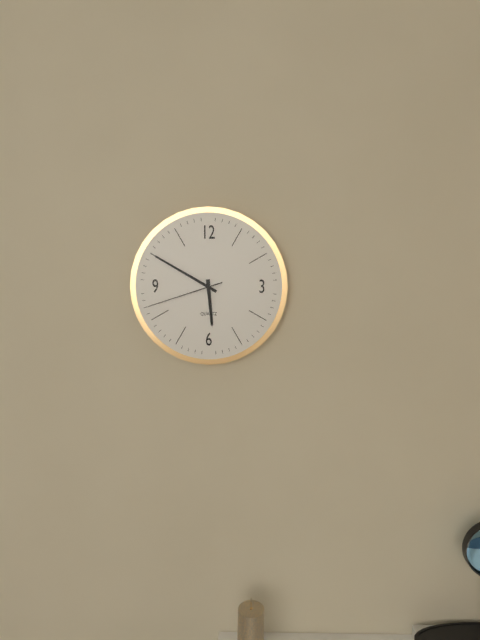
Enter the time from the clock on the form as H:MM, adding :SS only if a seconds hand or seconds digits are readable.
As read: 5:50:42
